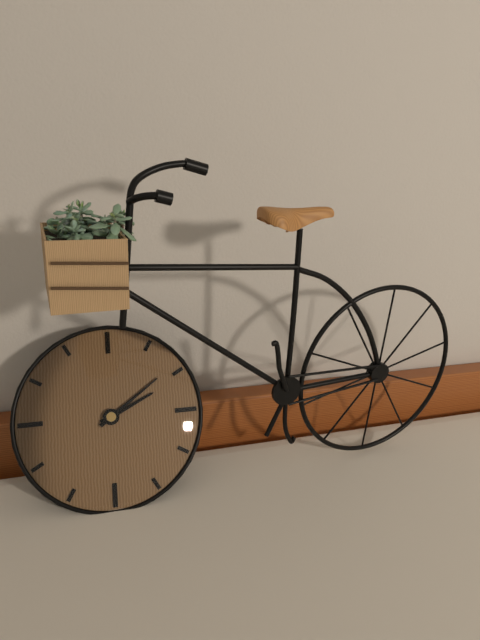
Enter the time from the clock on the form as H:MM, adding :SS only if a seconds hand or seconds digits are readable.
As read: 2:09
